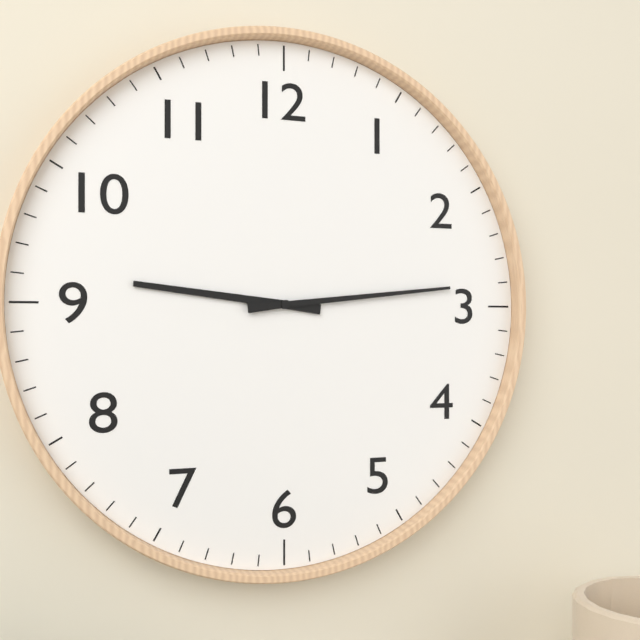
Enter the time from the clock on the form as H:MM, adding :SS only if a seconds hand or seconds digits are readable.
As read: 9:14
